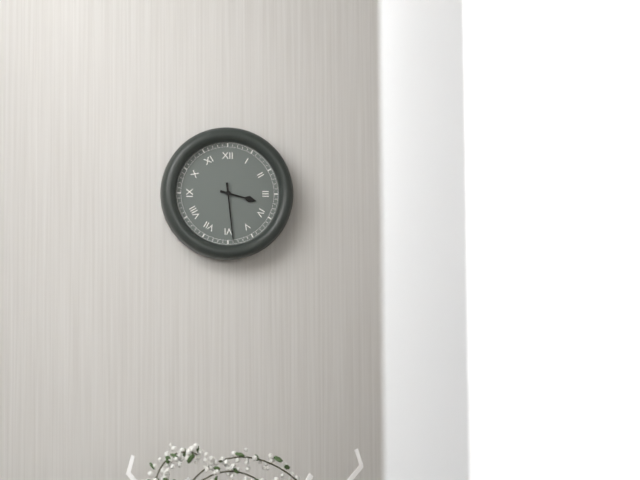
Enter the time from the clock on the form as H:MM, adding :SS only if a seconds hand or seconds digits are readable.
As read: 3:29
